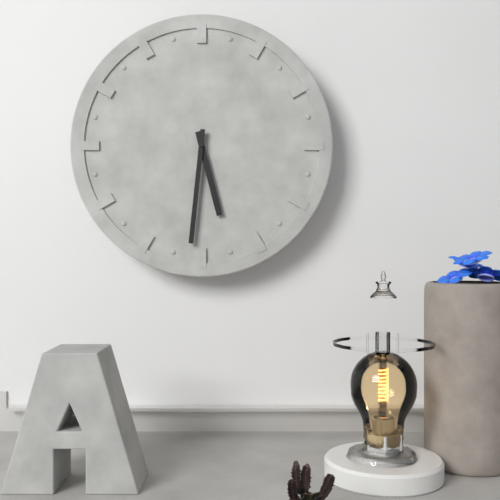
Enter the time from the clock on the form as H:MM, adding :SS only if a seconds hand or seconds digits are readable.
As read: 5:31
